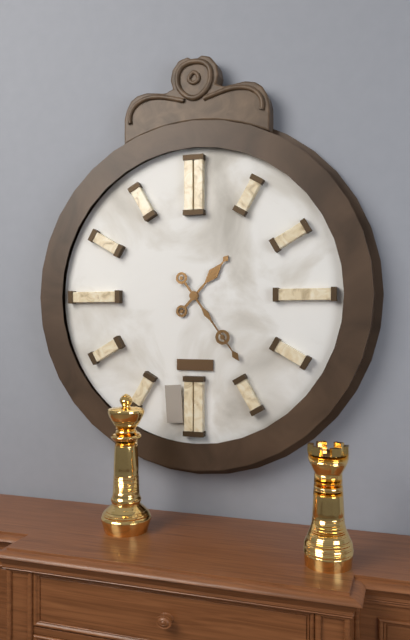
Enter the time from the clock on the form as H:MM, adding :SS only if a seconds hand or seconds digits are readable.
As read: 1:24
